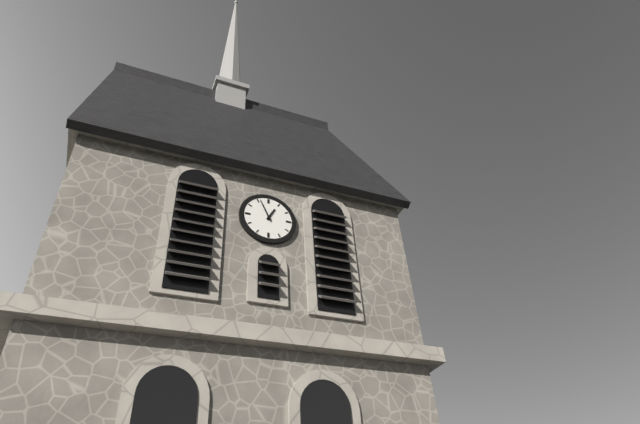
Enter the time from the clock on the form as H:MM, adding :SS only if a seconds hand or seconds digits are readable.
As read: 12:56
